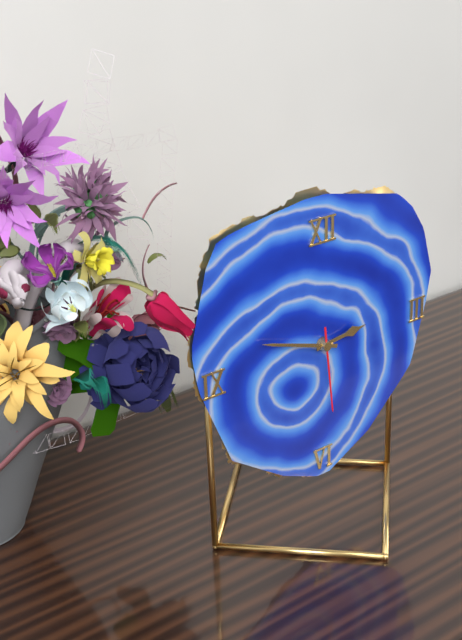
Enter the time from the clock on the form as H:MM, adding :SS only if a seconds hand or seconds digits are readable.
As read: 2:48:29
